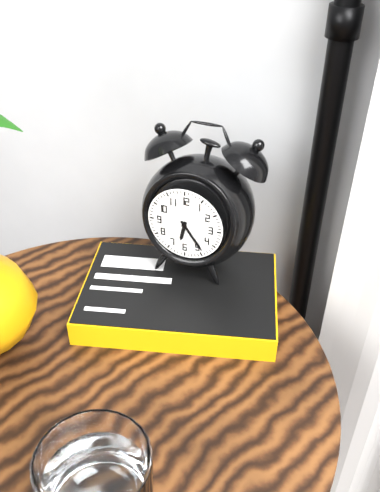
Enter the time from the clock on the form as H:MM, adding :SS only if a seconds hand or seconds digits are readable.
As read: 6:24
